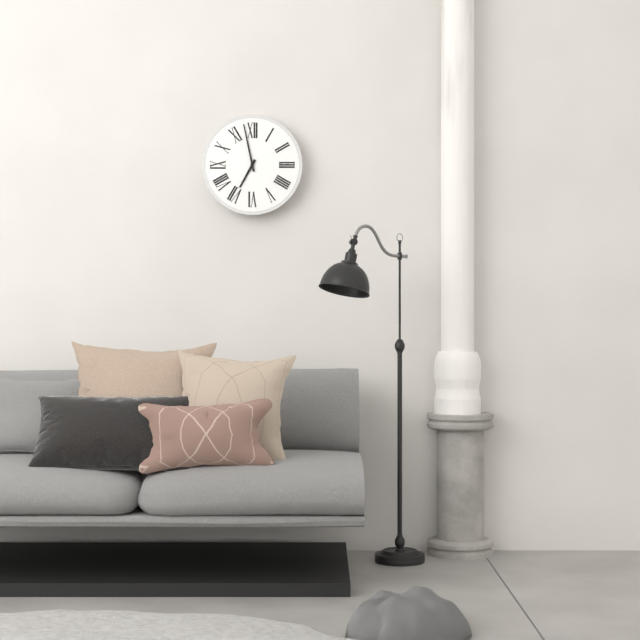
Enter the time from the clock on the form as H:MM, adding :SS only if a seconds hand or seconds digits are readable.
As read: 6:58
